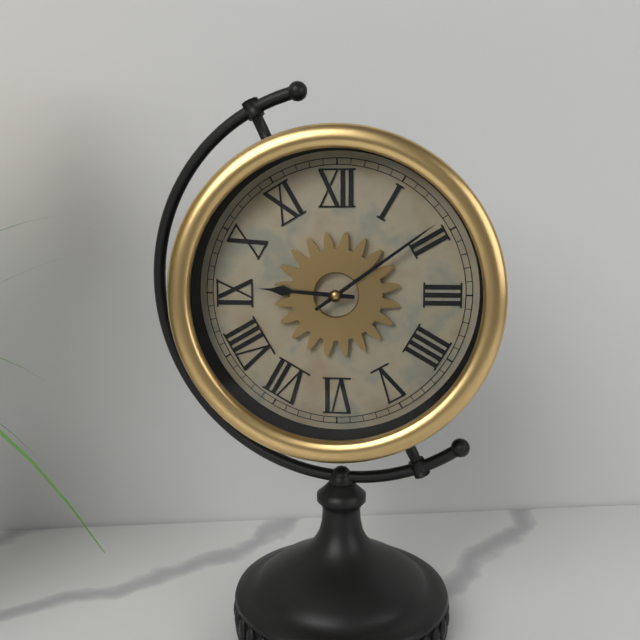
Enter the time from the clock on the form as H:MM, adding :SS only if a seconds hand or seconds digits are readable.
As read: 9:09
